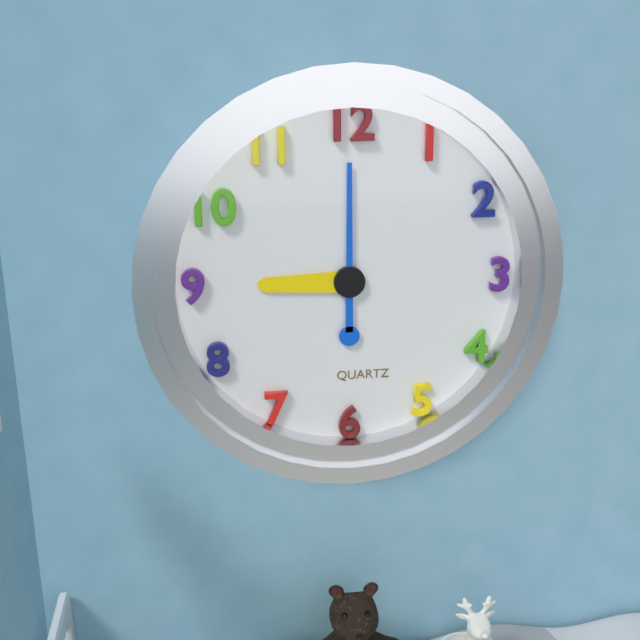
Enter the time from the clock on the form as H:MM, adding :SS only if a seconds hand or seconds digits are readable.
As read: 9:00
